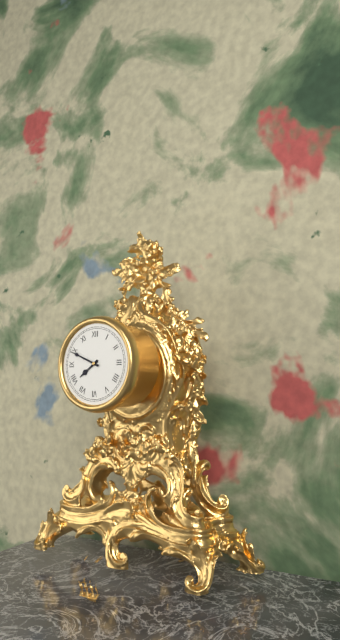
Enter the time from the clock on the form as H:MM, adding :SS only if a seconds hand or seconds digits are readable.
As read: 7:49
